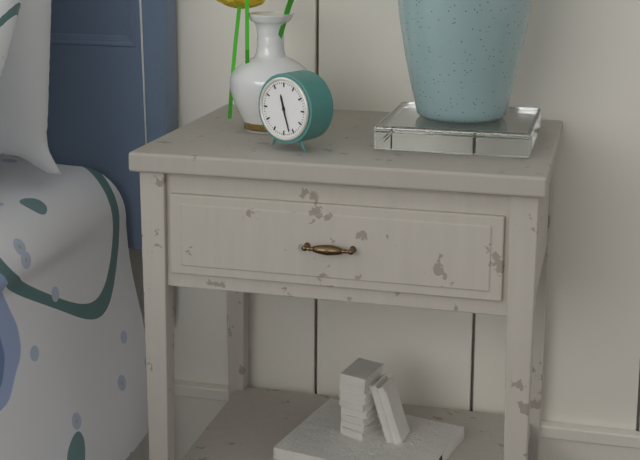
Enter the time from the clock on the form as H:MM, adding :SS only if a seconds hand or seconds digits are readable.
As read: 11:27
